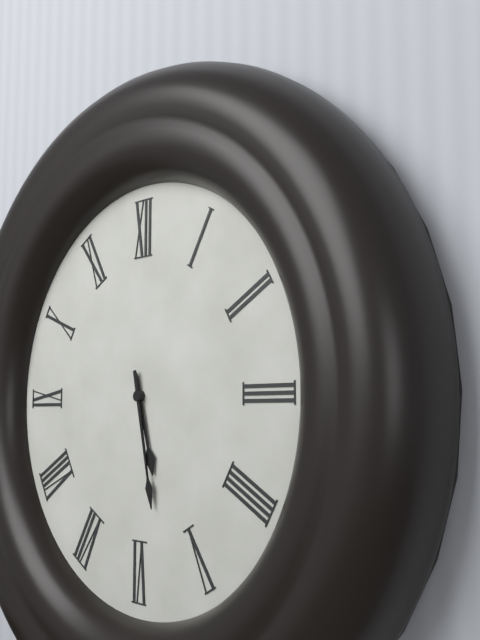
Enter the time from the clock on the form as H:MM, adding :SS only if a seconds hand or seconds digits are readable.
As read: 5:28
